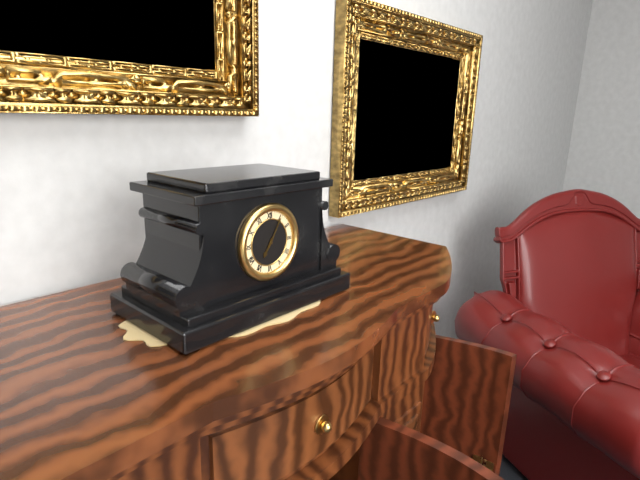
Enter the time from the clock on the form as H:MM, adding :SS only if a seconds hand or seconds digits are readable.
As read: 7:05
